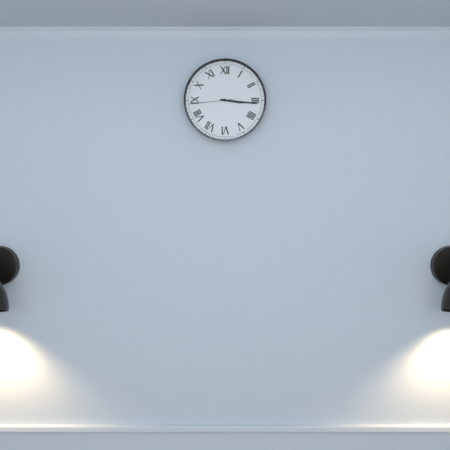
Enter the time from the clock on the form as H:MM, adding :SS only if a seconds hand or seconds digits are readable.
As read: 3:16
